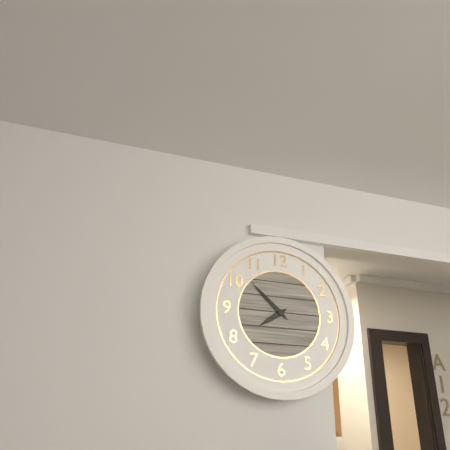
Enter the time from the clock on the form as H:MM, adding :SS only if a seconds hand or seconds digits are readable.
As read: 7:52
